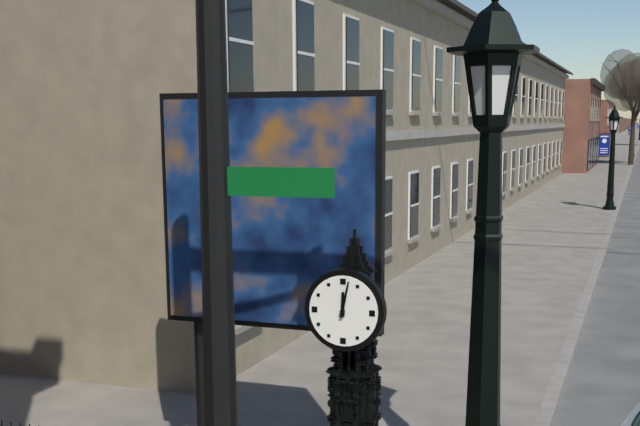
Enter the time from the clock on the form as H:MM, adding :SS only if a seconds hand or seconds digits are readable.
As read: 12:02
